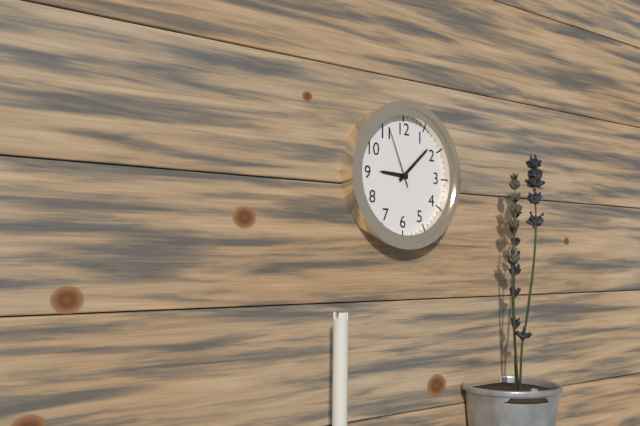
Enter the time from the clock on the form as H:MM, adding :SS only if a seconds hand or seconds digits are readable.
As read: 9:08:56
